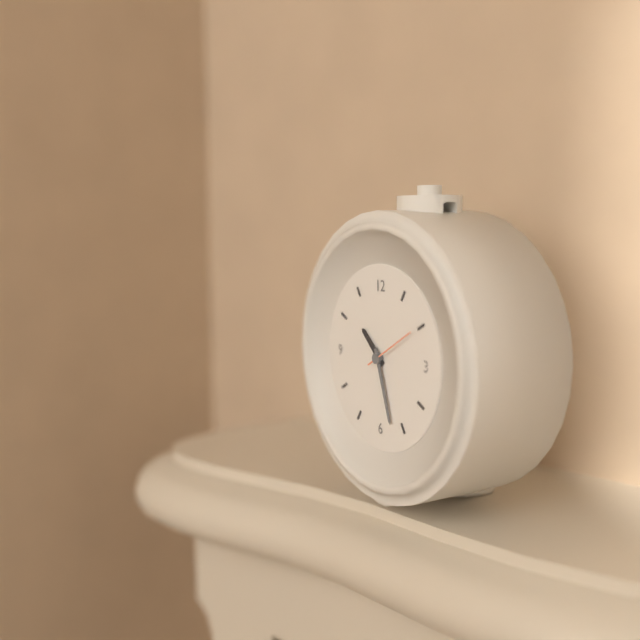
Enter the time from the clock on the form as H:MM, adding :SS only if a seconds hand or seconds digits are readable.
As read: 10:27:10
